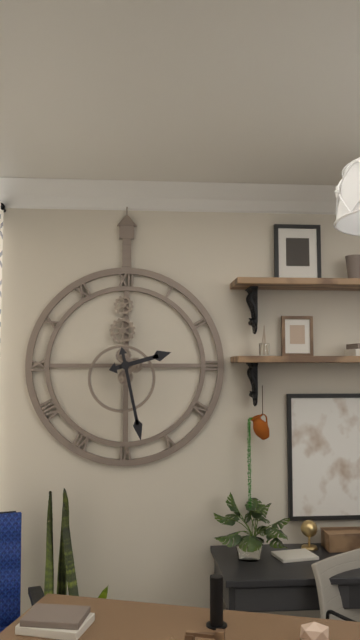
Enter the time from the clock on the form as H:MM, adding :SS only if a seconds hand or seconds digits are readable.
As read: 2:28
